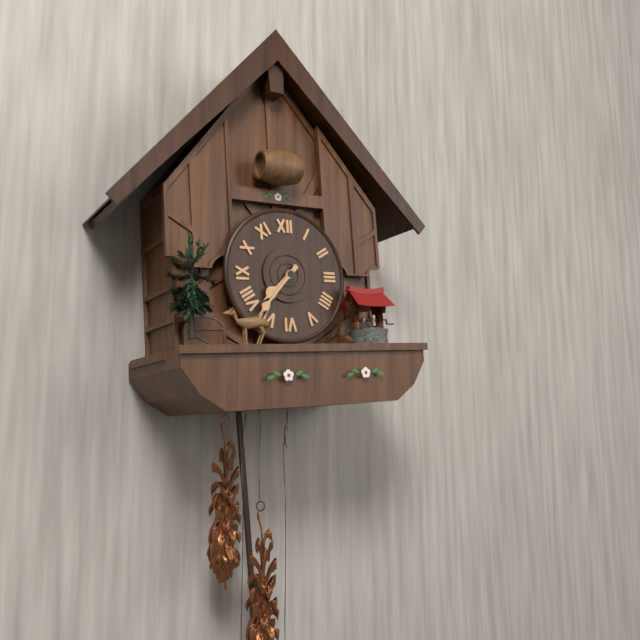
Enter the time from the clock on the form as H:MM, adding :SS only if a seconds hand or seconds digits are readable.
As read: 7:37
